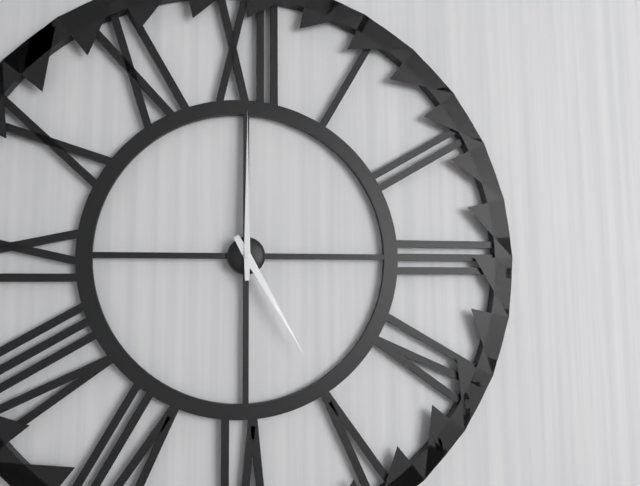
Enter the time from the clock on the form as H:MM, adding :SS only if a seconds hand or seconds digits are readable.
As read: 5:00
